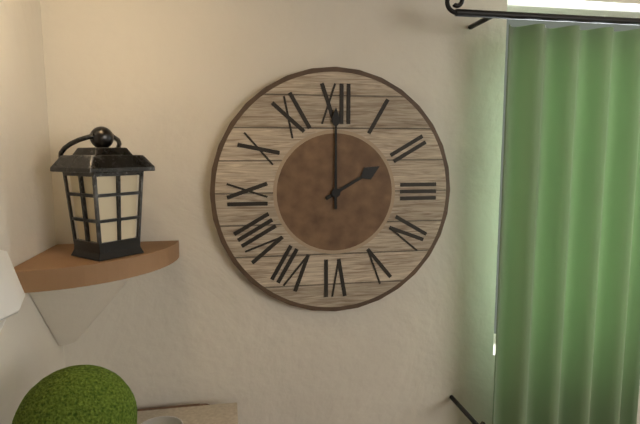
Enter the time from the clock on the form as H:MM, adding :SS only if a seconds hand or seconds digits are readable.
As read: 2:00
